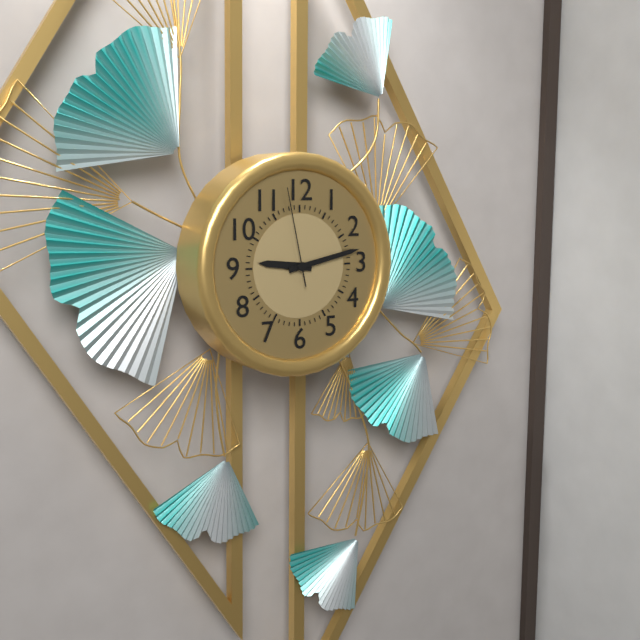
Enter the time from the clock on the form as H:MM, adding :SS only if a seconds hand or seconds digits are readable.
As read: 9:13:58
